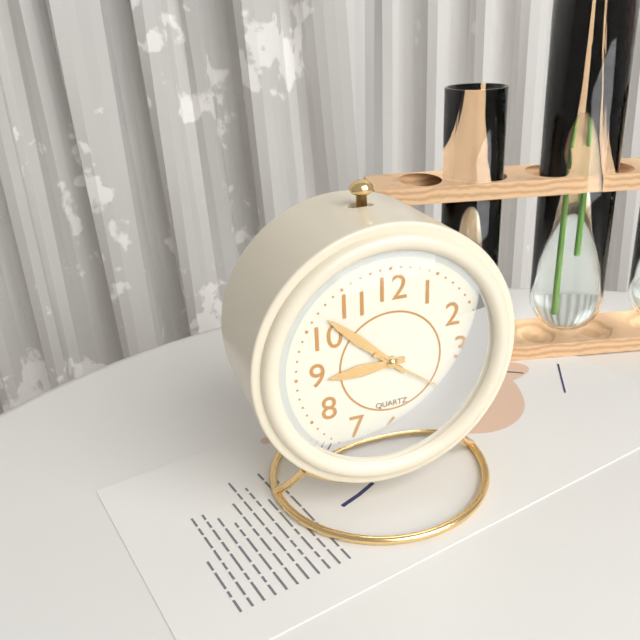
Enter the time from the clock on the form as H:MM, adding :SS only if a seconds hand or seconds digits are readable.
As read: 8:52:21
